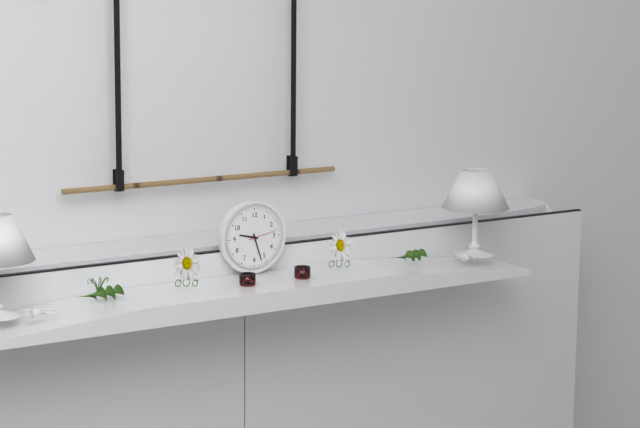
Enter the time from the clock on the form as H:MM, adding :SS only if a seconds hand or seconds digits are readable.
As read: 9:27
